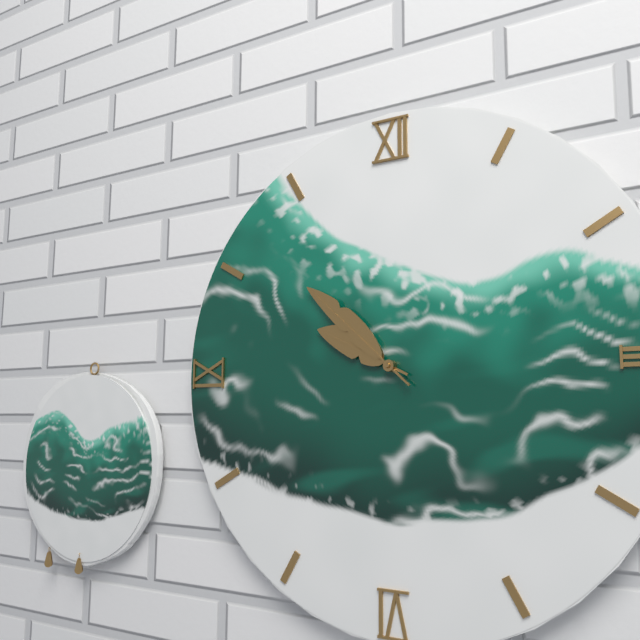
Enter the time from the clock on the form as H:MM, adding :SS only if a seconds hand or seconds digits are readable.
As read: 9:52
